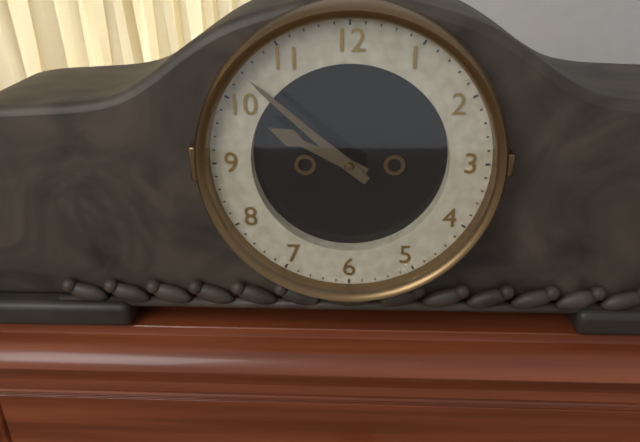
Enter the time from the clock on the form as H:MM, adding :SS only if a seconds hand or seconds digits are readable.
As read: 9:52
